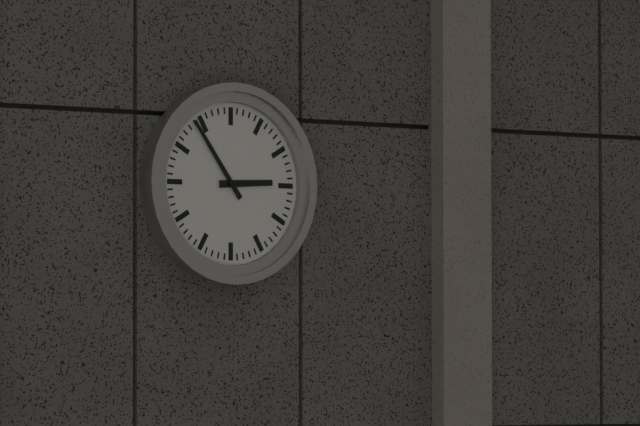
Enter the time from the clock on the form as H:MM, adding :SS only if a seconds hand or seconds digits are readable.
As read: 2:54
